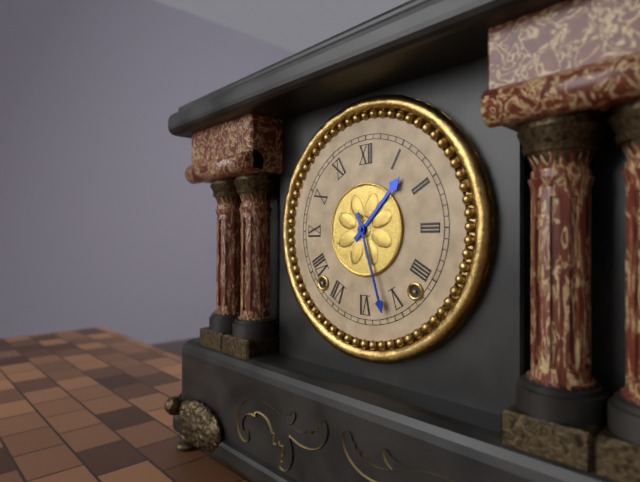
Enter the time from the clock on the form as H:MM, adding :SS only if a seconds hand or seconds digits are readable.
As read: 1:27
